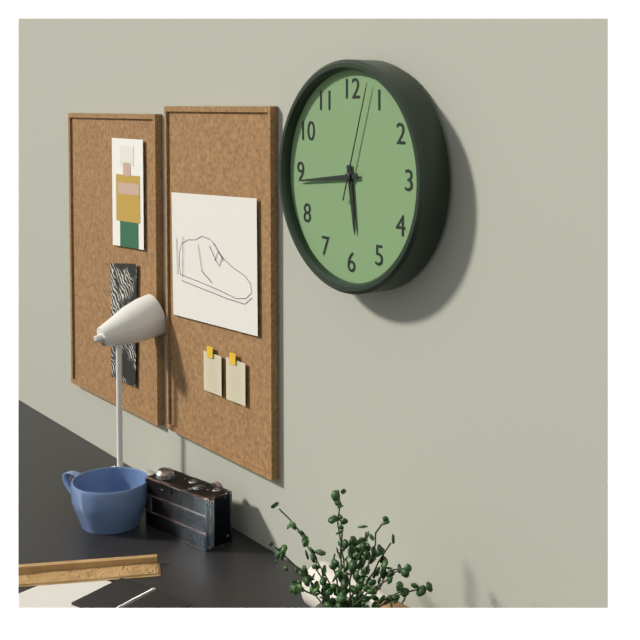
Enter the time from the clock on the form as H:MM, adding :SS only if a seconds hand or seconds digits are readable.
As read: 5:44:03
